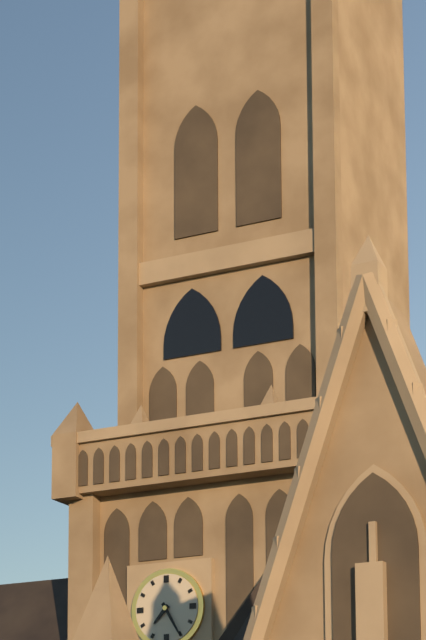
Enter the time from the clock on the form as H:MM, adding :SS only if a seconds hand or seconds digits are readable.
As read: 7:25
